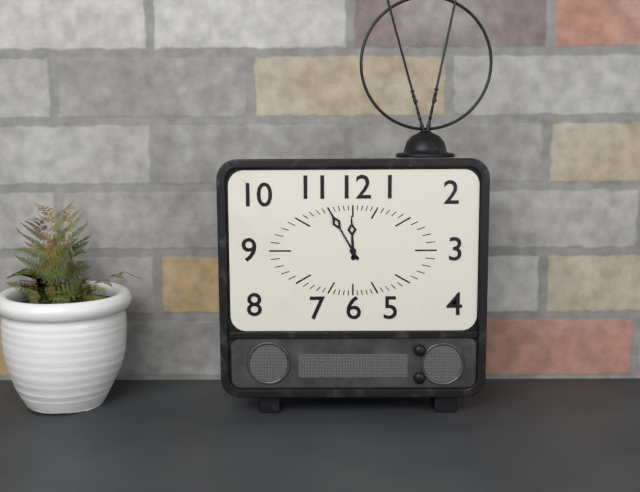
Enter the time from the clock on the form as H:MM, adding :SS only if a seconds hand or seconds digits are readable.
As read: 11:55
